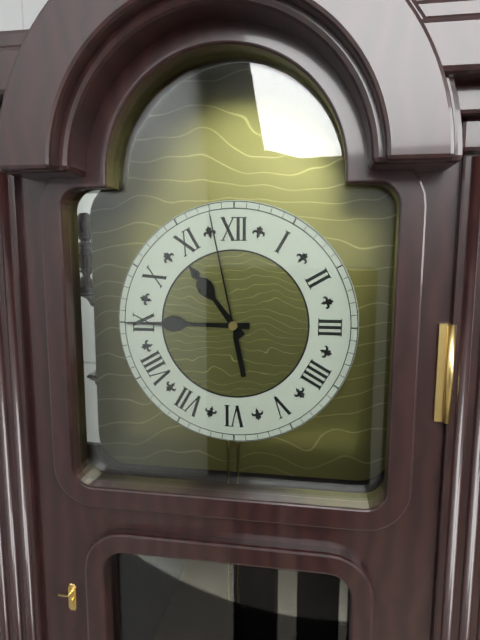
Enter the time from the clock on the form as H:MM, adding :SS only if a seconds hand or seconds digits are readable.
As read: 10:45:58
